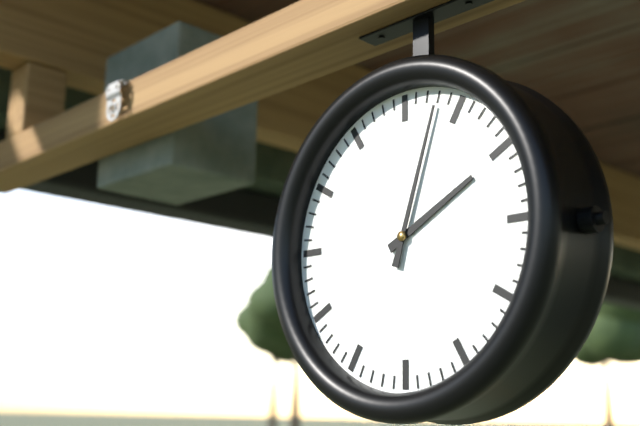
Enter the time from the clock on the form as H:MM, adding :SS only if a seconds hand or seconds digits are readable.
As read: 2:03
